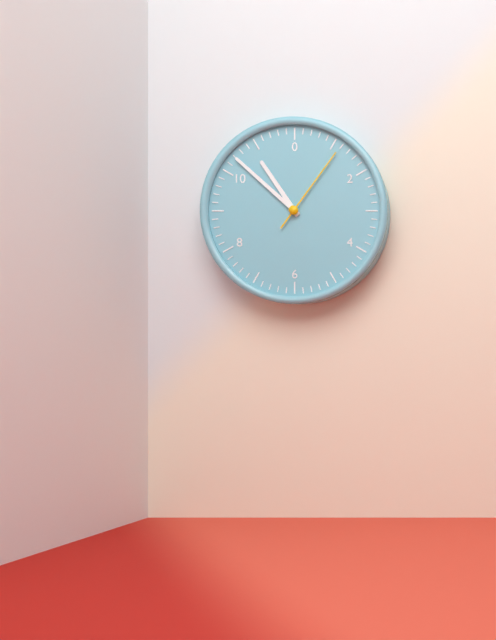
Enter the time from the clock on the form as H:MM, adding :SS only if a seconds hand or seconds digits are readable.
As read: 10:52:06
